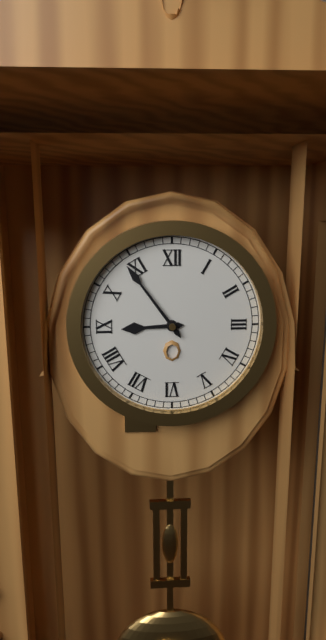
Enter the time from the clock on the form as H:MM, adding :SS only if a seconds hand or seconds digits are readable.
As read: 8:54
